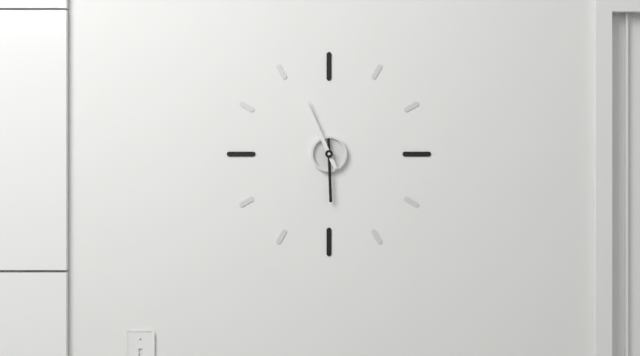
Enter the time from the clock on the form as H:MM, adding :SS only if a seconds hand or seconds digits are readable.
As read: 5:56
